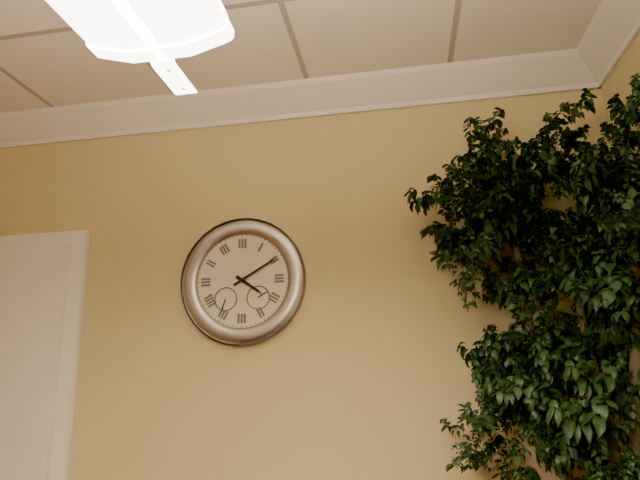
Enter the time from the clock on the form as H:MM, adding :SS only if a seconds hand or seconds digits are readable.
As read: 4:10
